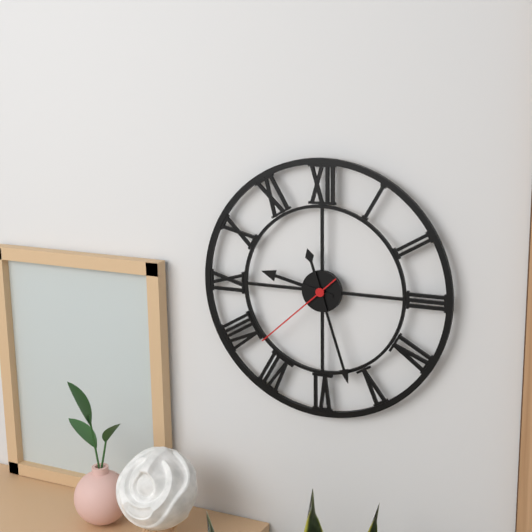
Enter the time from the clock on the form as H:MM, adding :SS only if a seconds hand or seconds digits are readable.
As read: 9:27:38
